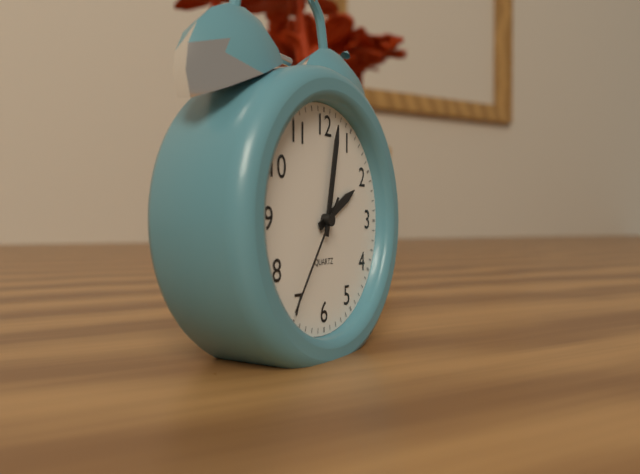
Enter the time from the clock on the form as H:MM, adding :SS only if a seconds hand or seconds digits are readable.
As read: 2:02:36
